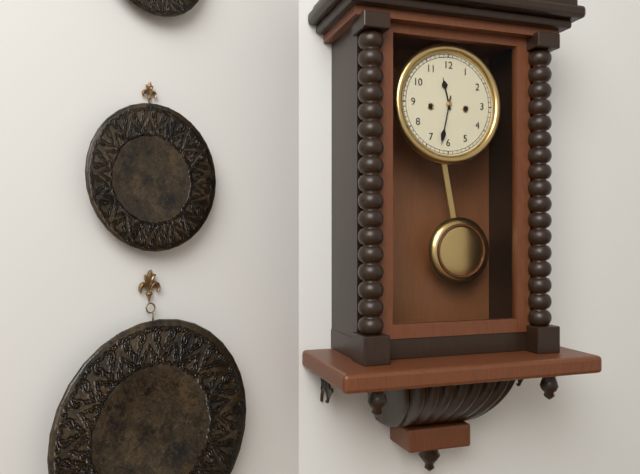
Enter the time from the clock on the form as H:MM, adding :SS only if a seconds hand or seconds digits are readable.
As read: 11:32
